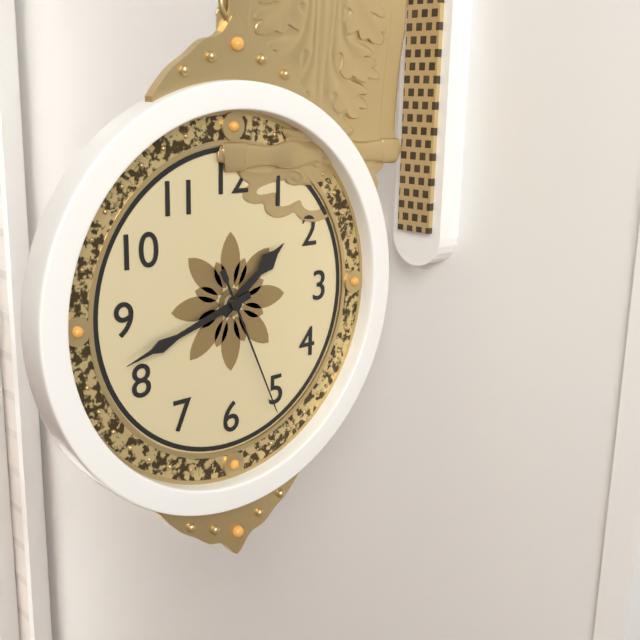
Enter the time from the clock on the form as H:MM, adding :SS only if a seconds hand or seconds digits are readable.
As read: 1:42:26
